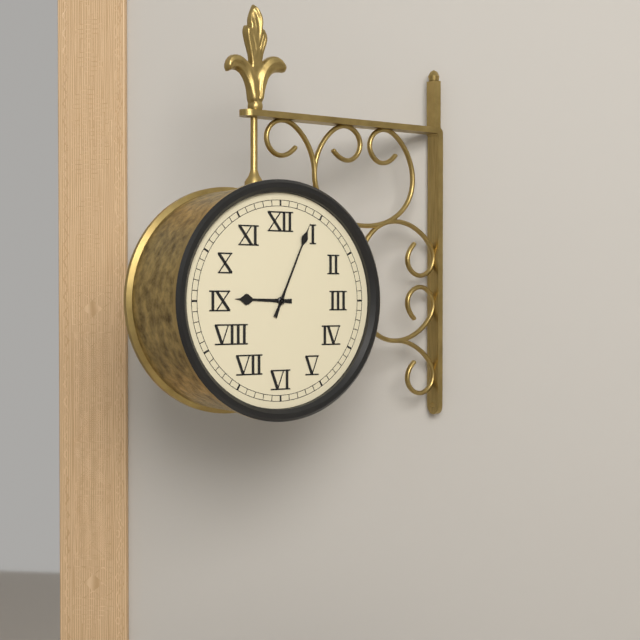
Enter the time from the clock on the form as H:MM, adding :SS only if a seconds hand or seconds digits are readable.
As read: 9:04
